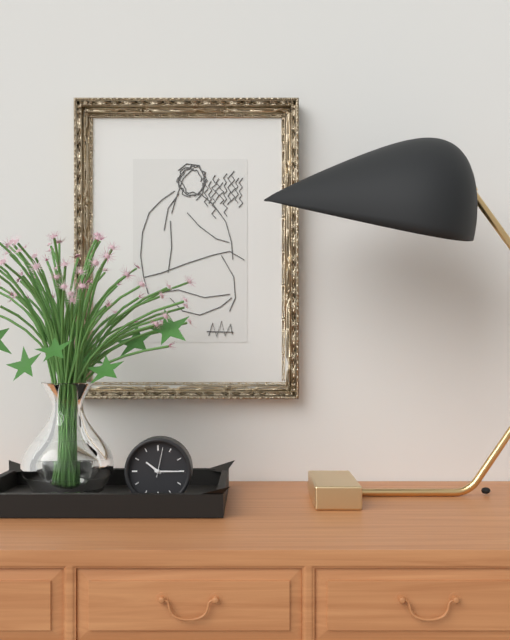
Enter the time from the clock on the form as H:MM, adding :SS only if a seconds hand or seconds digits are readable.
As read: 10:15
